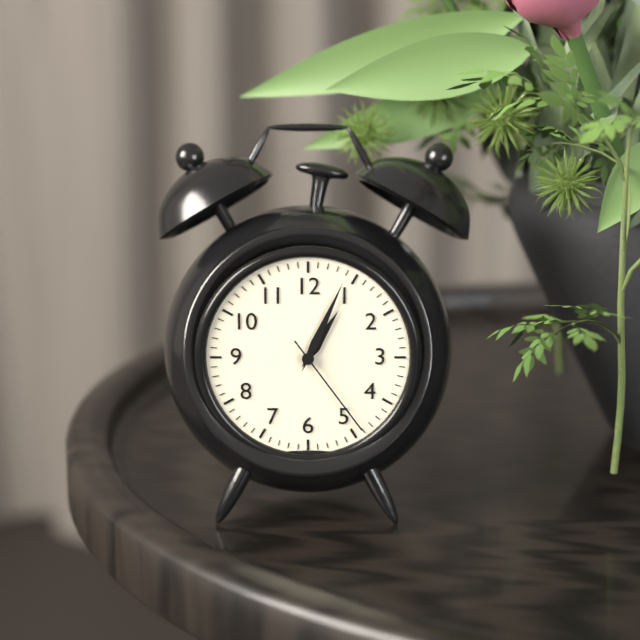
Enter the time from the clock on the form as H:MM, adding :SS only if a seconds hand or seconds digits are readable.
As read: 1:04:24
